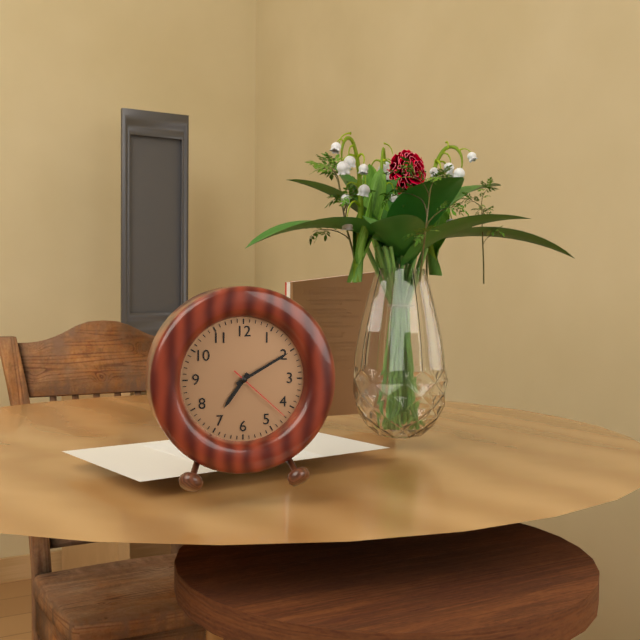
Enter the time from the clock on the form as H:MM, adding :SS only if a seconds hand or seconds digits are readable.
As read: 7:10:22
